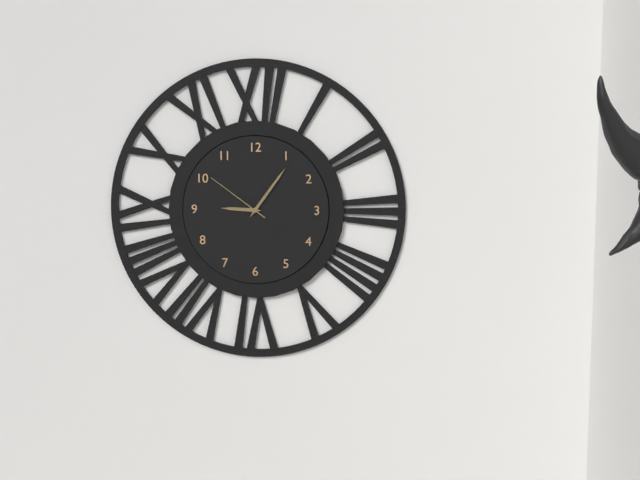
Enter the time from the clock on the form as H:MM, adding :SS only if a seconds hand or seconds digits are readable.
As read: 9:06:51
